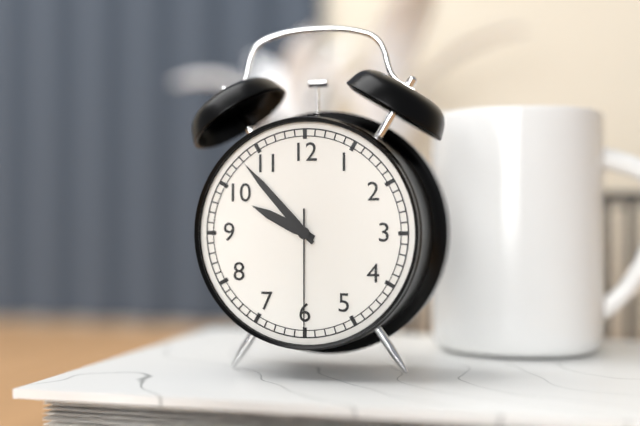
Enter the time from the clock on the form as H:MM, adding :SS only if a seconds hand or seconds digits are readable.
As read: 9:53:30
